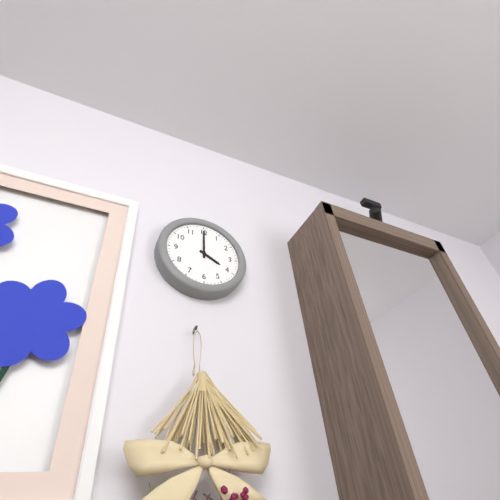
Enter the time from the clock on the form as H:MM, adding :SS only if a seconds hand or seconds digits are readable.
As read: 4:00
